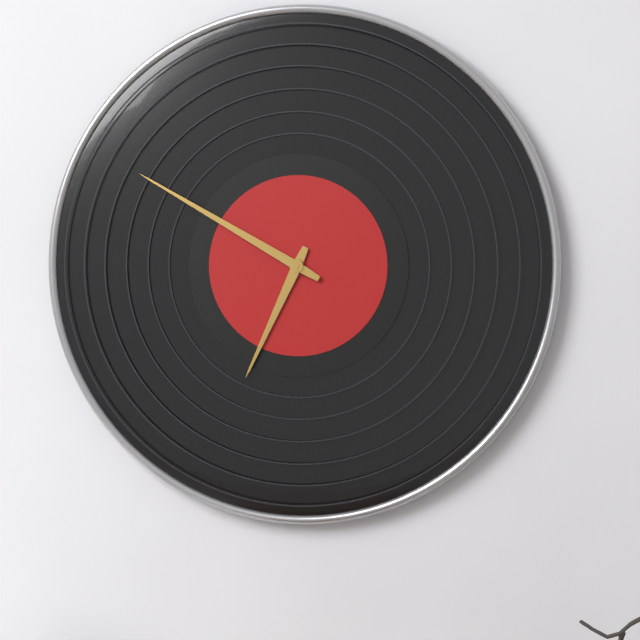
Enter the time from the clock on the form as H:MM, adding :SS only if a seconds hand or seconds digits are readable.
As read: 6:50
